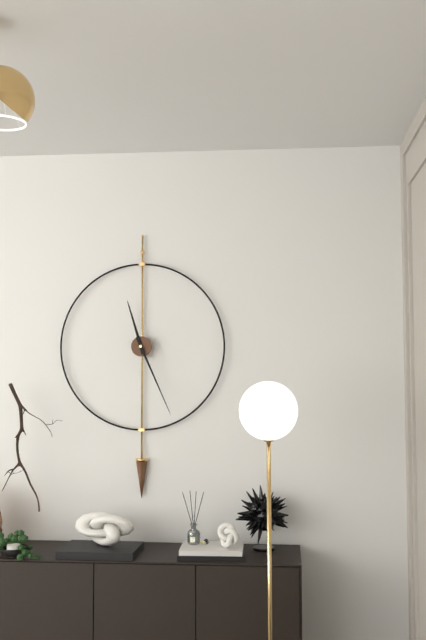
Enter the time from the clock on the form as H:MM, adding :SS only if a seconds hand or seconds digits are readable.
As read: 11:26
